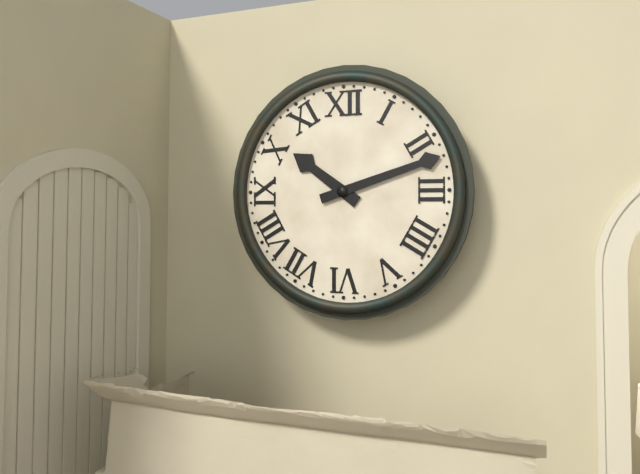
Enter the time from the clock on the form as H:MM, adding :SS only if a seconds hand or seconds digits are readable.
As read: 10:12
